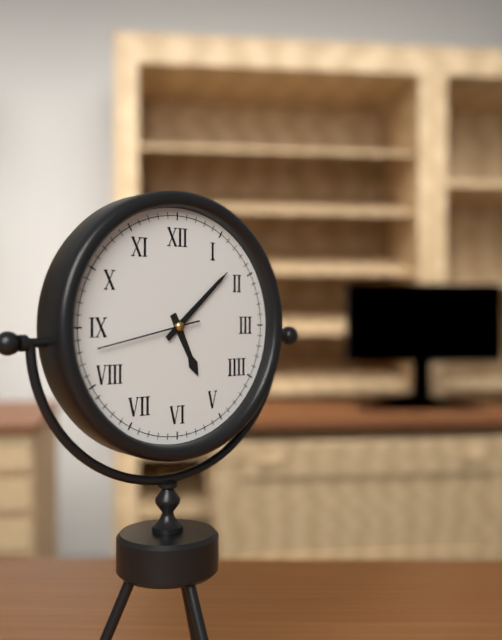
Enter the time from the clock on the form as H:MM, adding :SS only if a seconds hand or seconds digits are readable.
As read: 5:08:43
